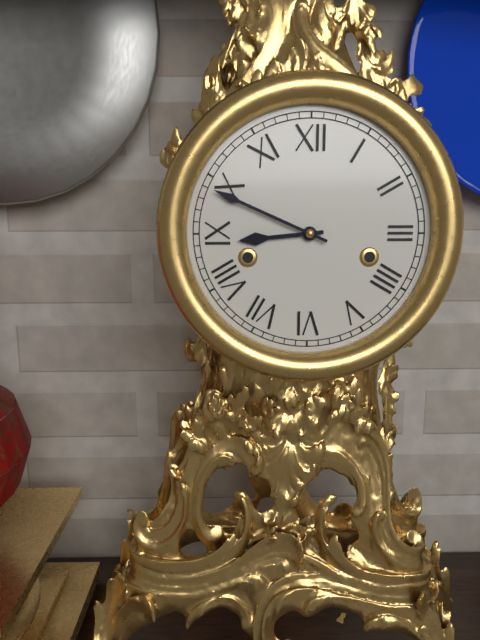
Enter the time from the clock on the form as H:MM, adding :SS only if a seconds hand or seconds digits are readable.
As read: 8:49
